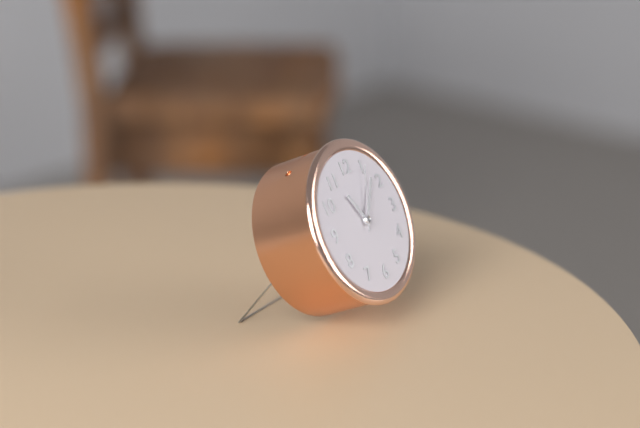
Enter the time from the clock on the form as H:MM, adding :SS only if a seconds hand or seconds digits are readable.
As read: 11:07:05
